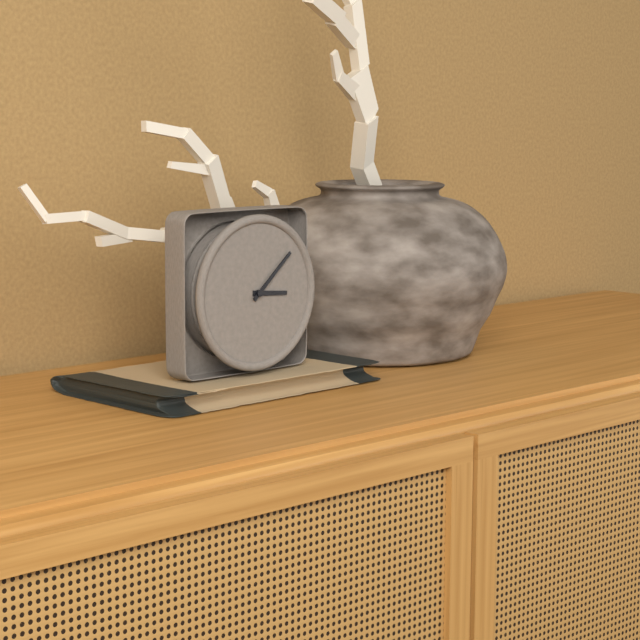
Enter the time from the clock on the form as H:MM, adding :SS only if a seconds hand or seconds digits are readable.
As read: 3:08
